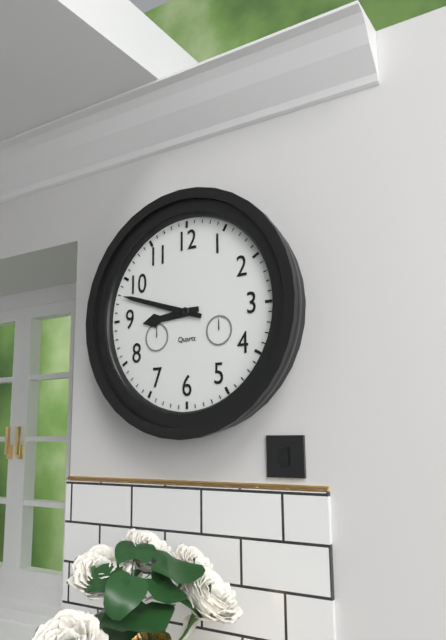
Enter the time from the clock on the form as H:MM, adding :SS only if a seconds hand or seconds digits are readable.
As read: 8:48
